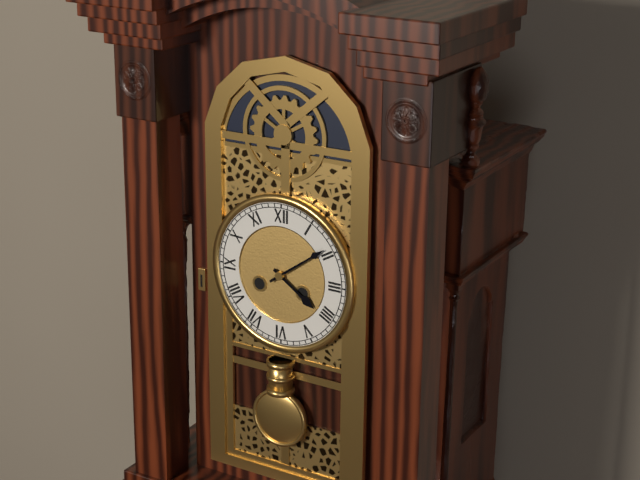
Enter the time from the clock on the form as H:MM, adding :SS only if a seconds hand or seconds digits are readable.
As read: 4:09
